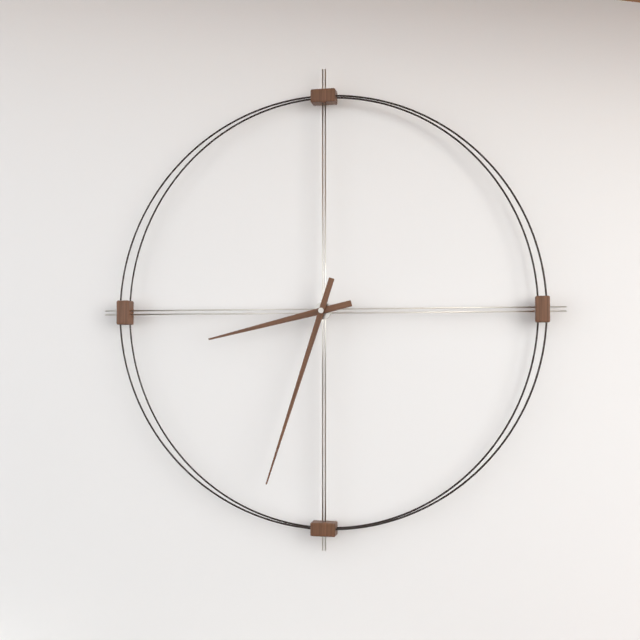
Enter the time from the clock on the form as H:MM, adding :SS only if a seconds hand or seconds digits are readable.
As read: 8:33
